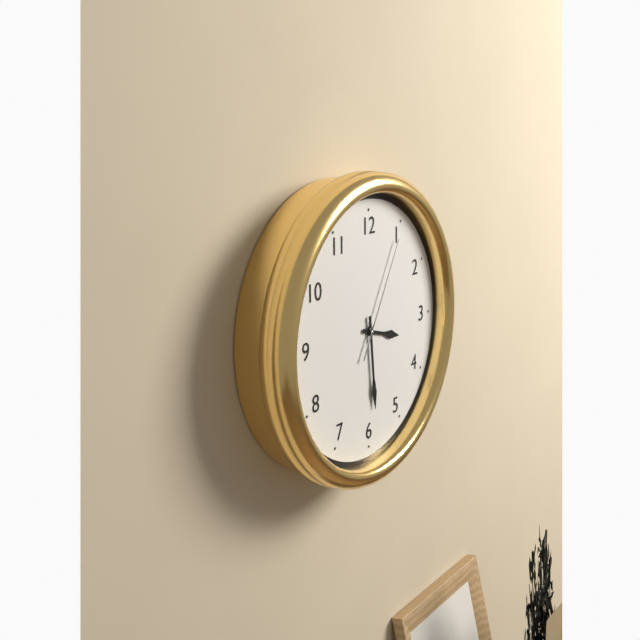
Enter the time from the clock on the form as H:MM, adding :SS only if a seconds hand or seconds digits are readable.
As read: 3:29:05
